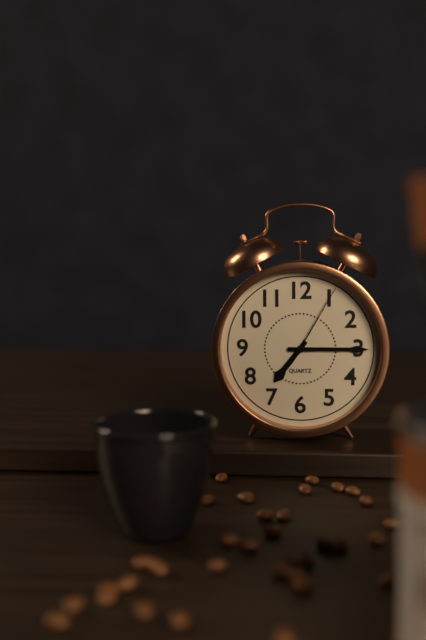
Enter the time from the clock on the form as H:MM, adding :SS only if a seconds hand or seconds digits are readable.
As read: 7:15:05
